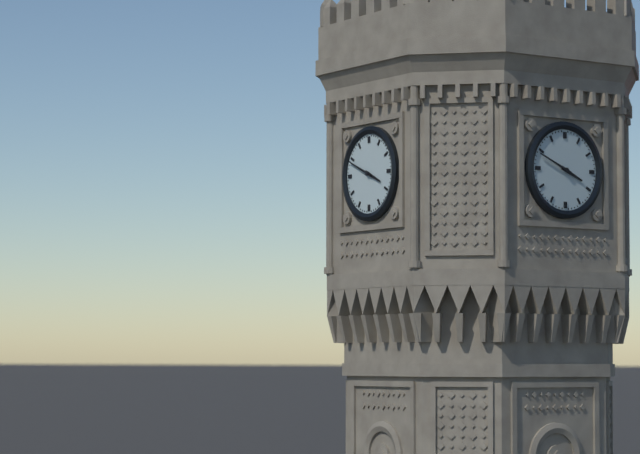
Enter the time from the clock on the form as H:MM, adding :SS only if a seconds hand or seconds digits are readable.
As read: 3:49
